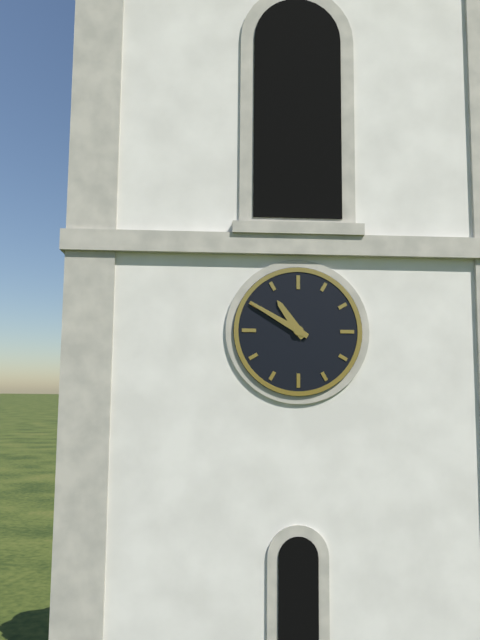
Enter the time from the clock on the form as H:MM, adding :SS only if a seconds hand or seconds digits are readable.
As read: 10:50
